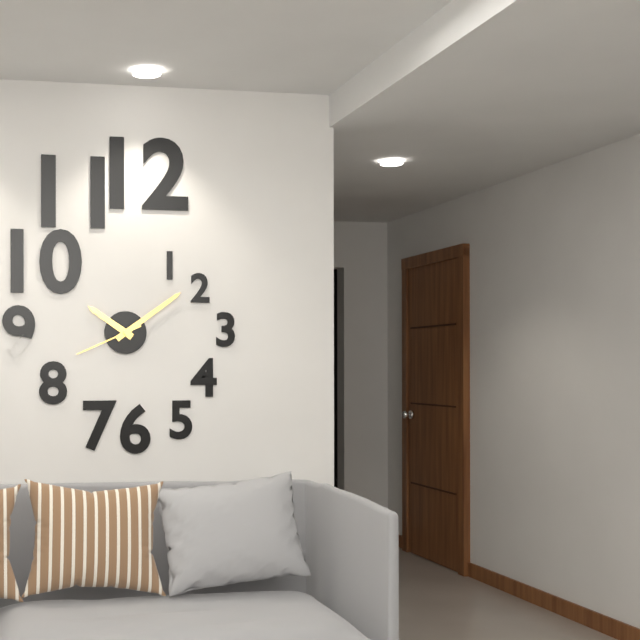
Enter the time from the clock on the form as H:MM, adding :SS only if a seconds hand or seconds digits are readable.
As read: 10:09:41
